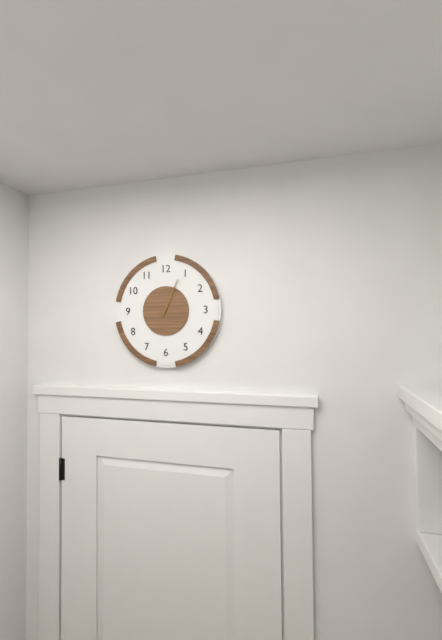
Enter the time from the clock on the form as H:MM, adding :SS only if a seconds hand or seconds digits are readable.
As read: 1:04
